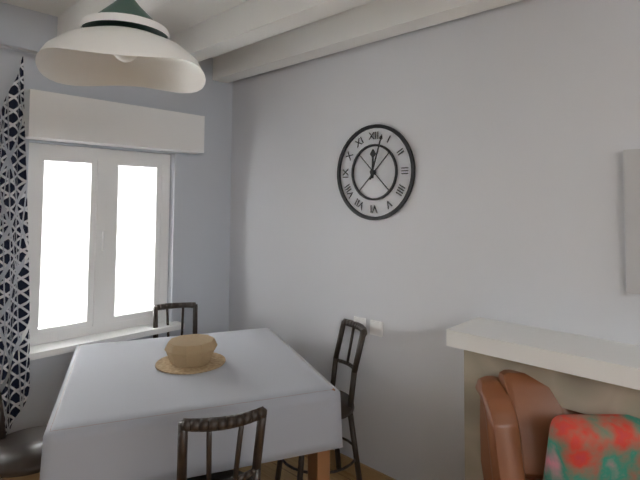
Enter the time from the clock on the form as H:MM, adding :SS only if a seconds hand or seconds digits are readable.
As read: 12:03
